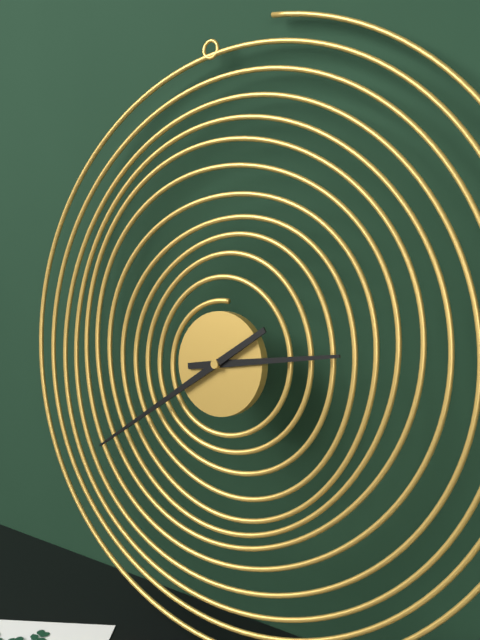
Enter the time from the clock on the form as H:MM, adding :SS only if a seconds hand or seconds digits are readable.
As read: 2:39
